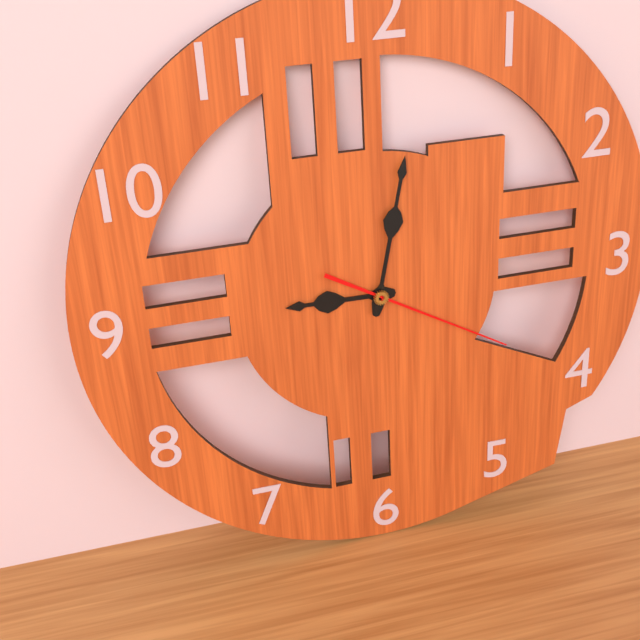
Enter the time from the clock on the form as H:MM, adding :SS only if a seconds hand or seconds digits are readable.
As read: 9:02:20
